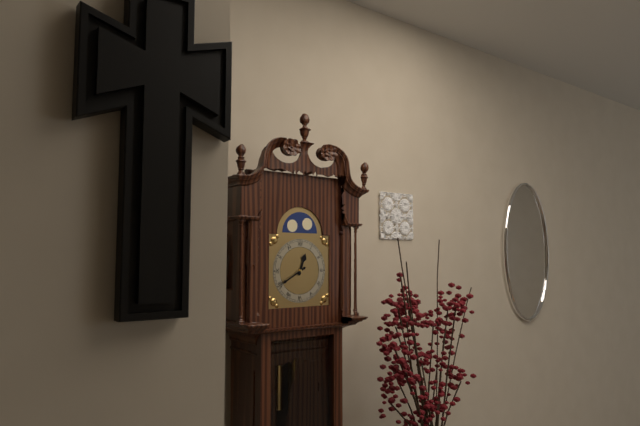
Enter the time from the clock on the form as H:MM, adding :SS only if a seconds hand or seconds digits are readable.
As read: 12:40
